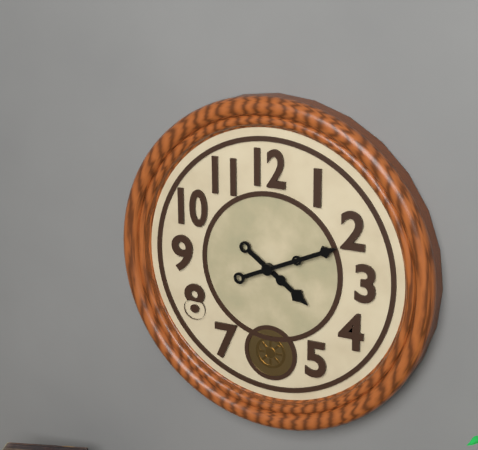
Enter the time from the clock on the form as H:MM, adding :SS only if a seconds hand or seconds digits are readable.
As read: 4:11
